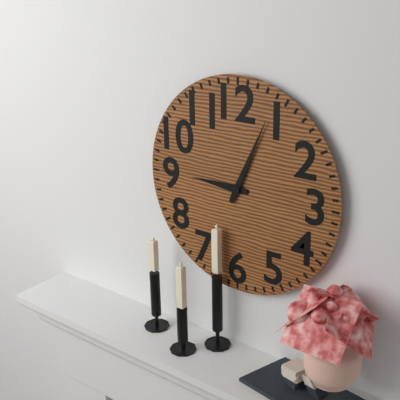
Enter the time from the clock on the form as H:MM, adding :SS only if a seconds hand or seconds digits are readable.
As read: 9:04
